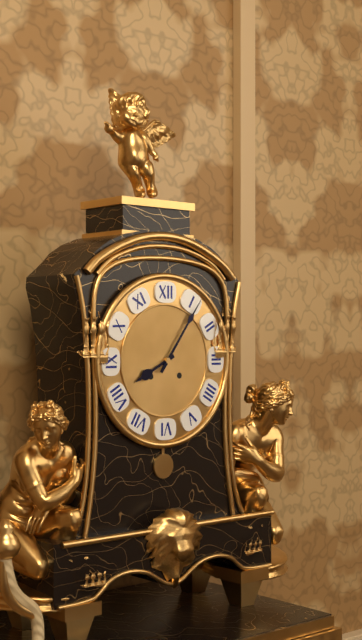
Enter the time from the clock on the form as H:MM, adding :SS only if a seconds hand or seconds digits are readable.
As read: 8:06
